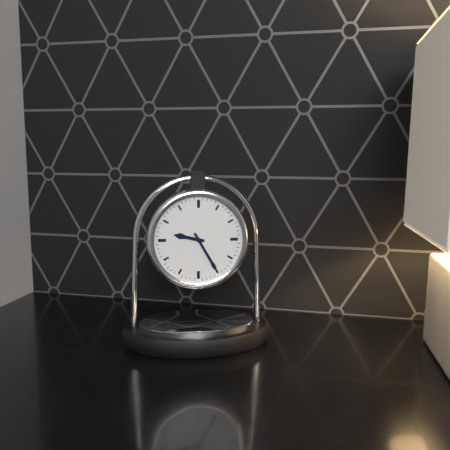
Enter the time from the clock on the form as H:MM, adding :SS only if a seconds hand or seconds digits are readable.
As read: 9:25
